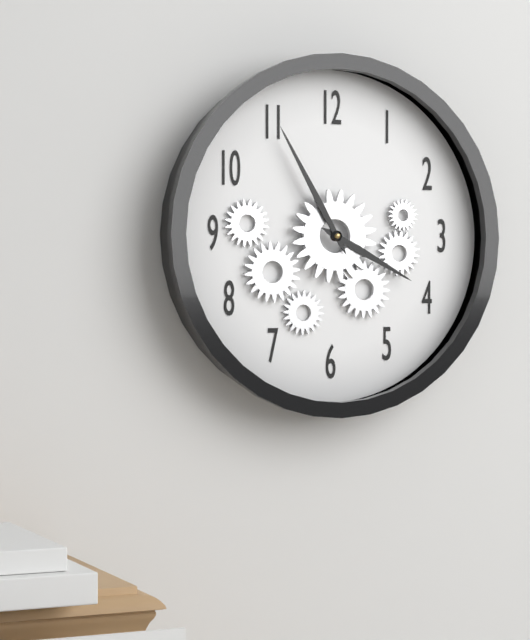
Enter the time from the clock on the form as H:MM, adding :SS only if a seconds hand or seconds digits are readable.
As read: 3:55
